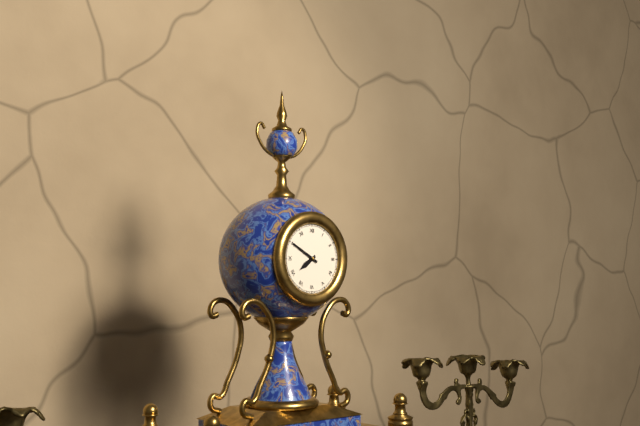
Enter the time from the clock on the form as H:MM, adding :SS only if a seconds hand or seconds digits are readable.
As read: 7:50
